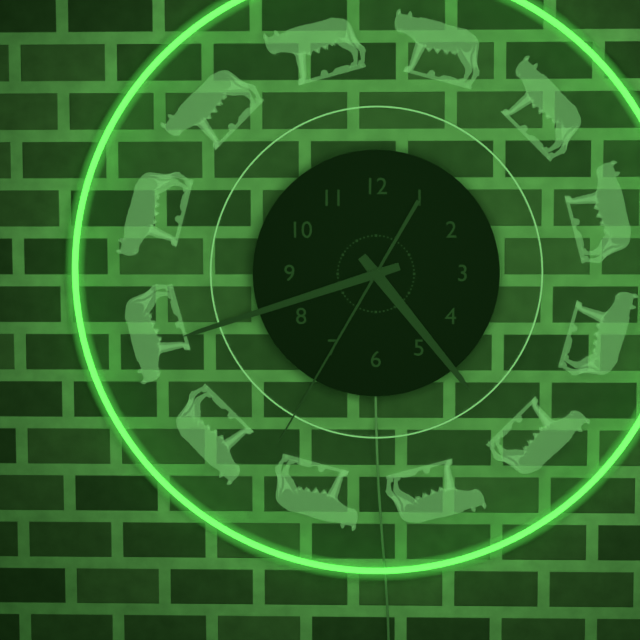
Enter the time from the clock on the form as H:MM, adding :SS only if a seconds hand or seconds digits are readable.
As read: 4:42:35
